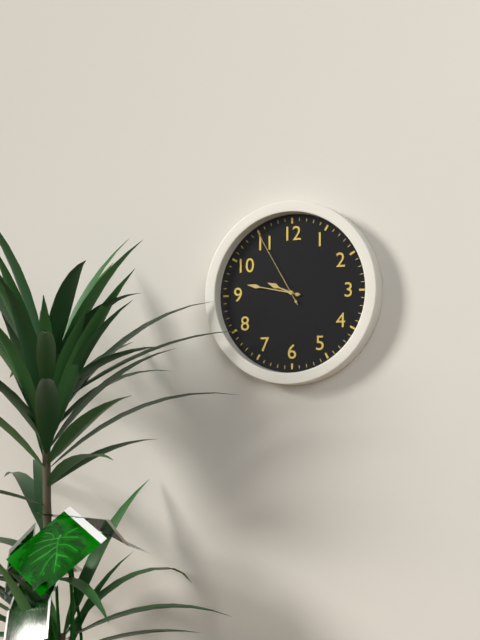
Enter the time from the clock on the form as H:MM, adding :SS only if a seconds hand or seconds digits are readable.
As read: 9:47:55
